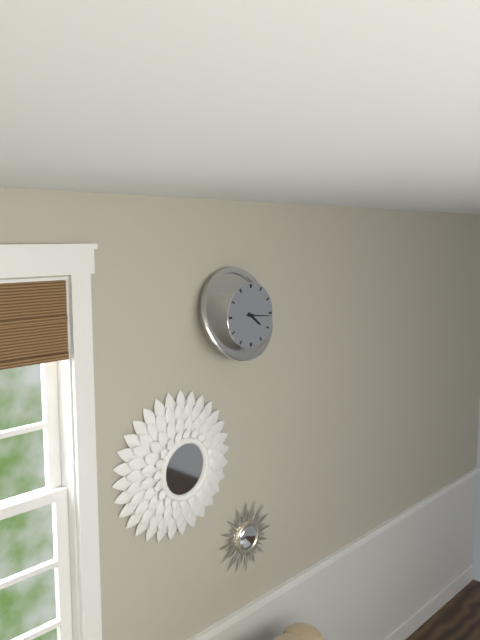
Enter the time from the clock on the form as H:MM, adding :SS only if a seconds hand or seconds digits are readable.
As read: 4:16
